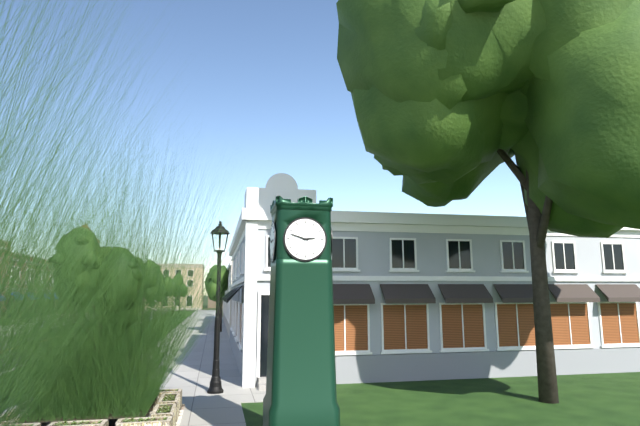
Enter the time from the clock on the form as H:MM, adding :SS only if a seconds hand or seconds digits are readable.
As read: 2:48
